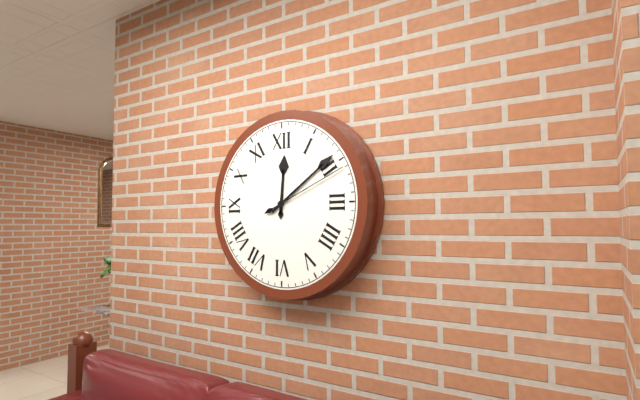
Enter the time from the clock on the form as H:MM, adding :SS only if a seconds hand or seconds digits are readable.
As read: 12:09:11
